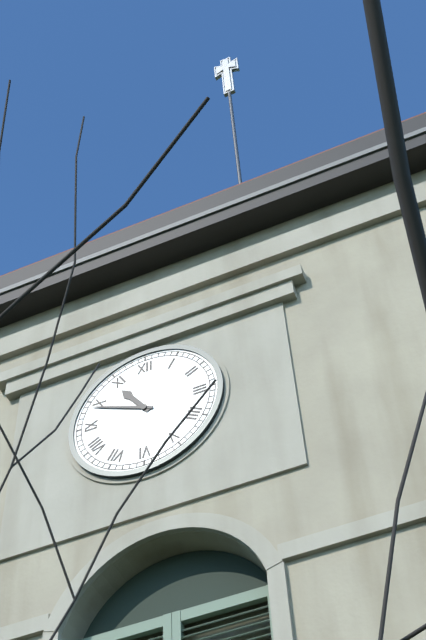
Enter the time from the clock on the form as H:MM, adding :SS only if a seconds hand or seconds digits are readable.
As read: 10:49
